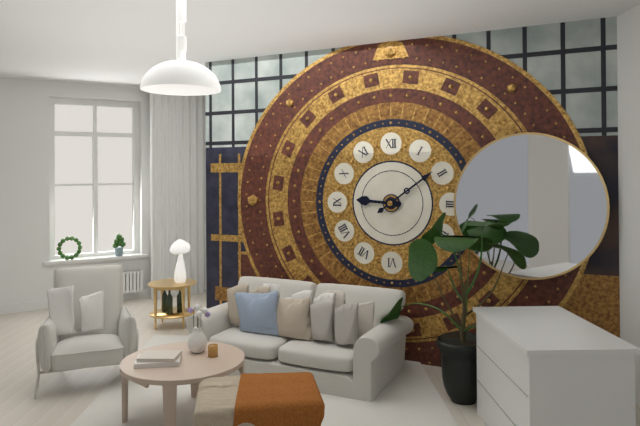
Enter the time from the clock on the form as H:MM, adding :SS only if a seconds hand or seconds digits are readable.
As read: 9:09
